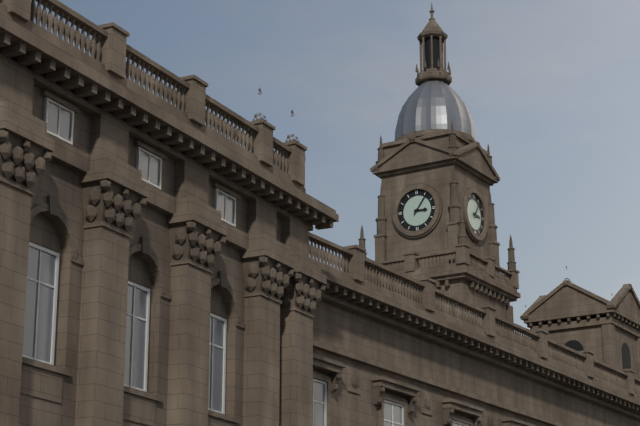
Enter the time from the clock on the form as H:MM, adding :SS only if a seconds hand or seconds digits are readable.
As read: 3:06
